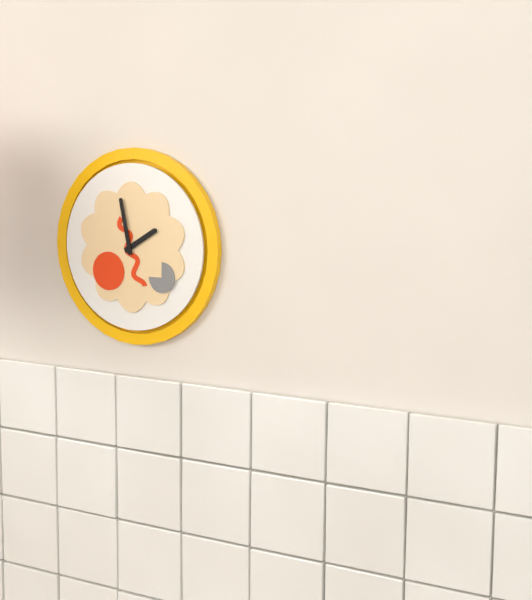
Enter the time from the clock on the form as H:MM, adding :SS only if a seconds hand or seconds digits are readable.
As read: 1:58
